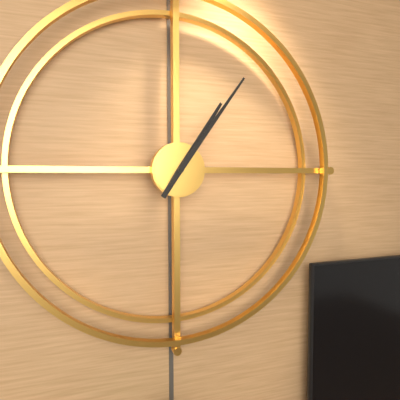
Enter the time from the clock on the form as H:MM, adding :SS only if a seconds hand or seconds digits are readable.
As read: 1:06
